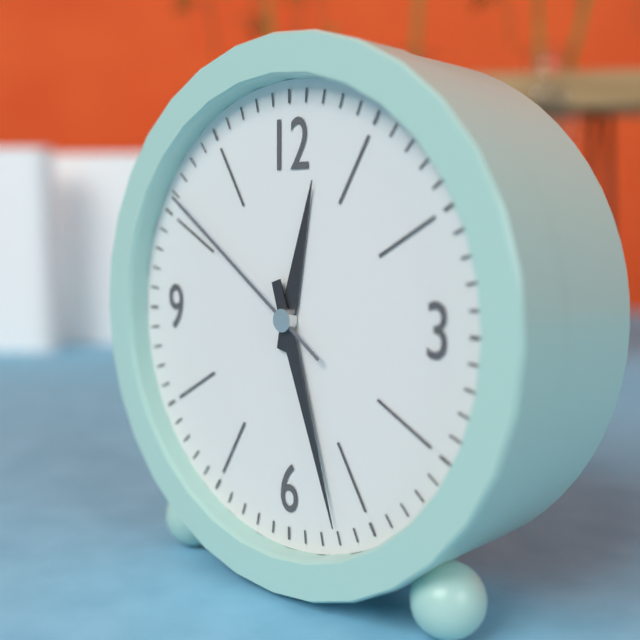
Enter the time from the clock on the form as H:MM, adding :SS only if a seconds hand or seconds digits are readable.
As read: 12:27:51
